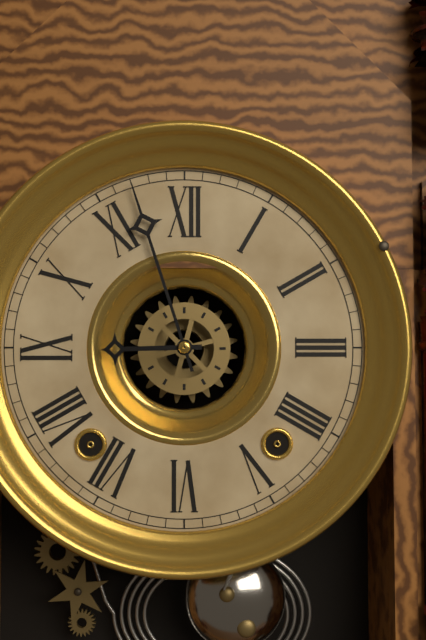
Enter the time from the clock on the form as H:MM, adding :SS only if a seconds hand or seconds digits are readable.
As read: 8:57
